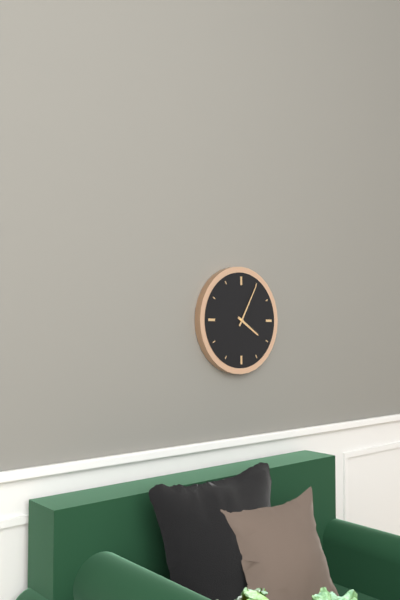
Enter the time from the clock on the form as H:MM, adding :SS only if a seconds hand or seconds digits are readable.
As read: 4:05
